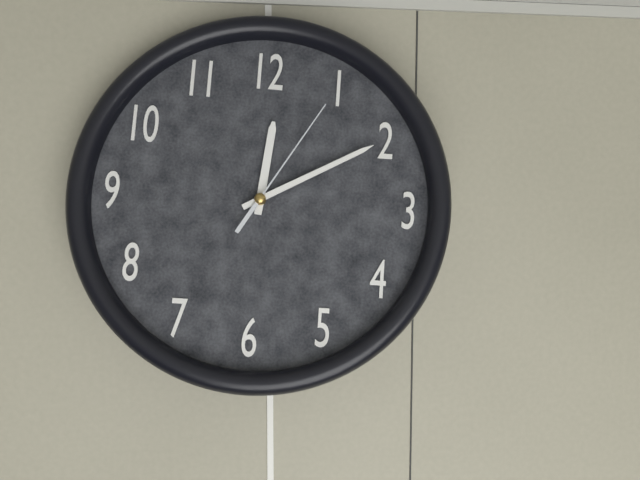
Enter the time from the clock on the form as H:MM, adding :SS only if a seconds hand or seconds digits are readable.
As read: 12:10:05
